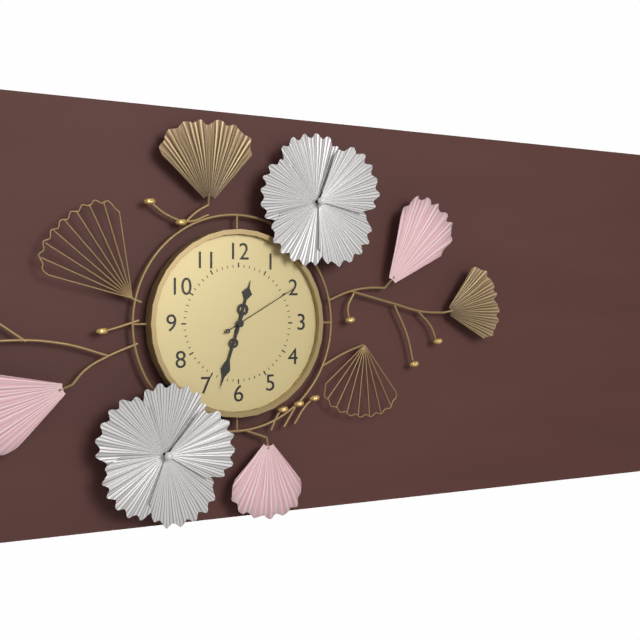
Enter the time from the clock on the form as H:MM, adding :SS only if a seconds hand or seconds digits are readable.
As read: 12:33:10
